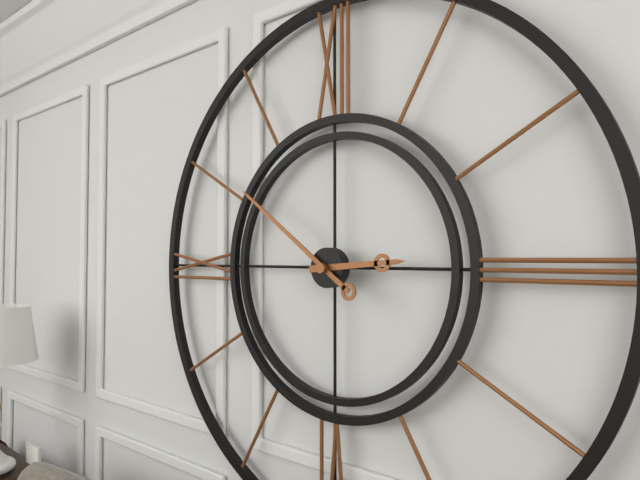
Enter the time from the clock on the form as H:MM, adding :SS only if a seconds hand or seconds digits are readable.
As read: 2:51
